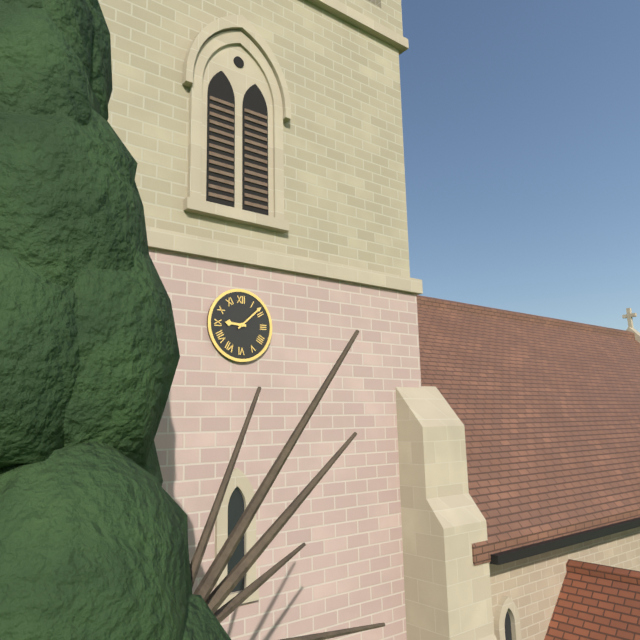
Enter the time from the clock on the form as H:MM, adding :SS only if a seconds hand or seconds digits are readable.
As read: 9:08
